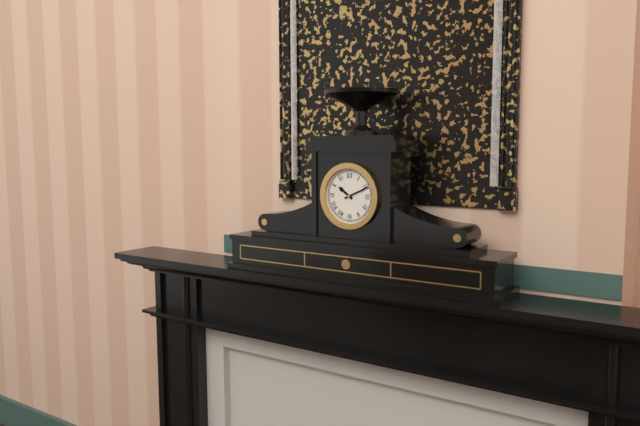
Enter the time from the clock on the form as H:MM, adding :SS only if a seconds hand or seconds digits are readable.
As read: 10:11
